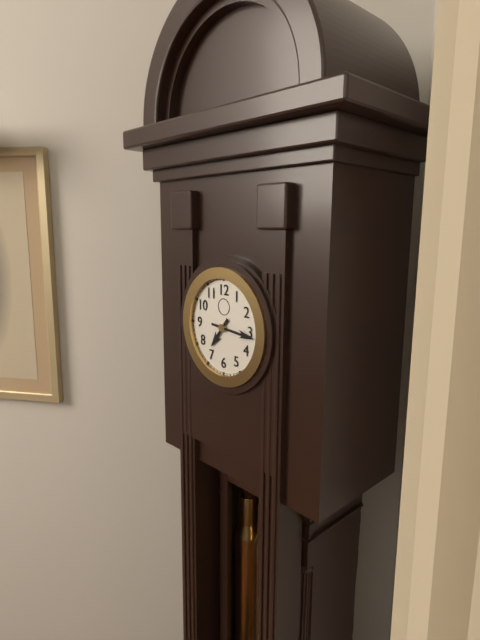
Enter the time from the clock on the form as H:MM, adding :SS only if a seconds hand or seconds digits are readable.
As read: 7:16
